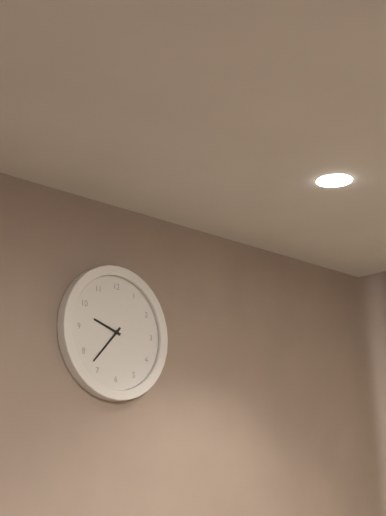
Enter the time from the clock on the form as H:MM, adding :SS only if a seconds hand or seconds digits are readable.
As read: 9:37
